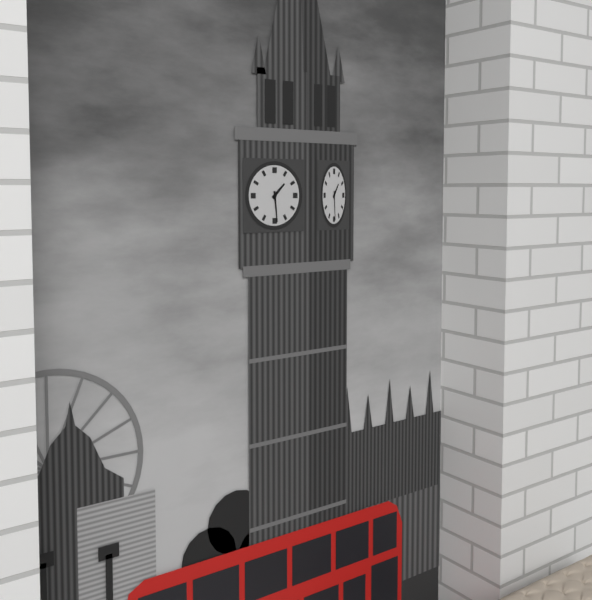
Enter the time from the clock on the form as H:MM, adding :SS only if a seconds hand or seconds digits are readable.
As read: 1:29
